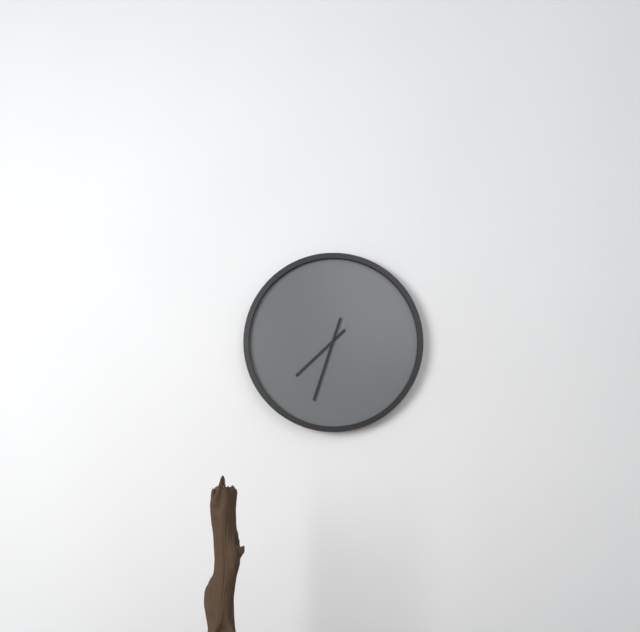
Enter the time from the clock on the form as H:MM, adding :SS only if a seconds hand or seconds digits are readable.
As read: 7:33
